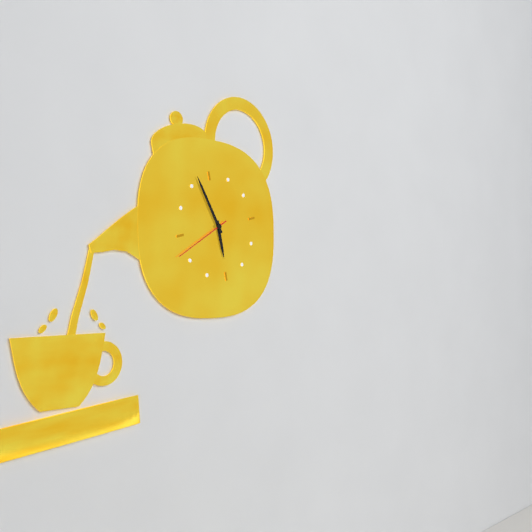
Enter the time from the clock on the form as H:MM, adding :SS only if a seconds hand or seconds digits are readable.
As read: 5:57:42
